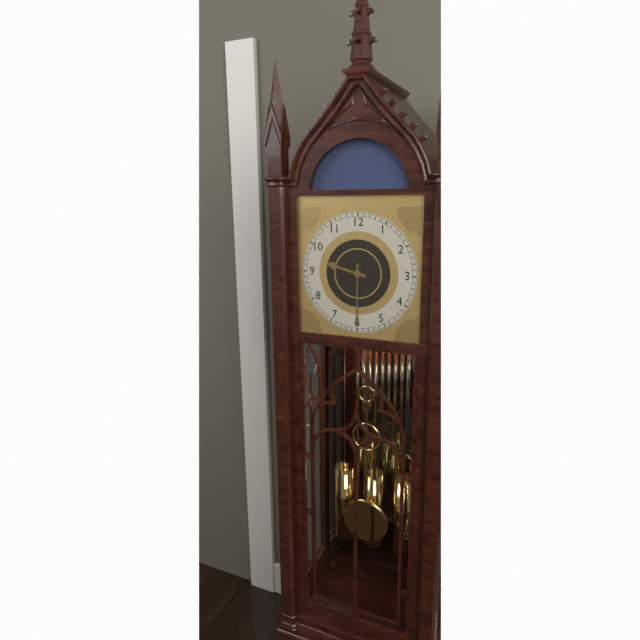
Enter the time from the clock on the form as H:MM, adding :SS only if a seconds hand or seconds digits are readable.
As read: 9:30
